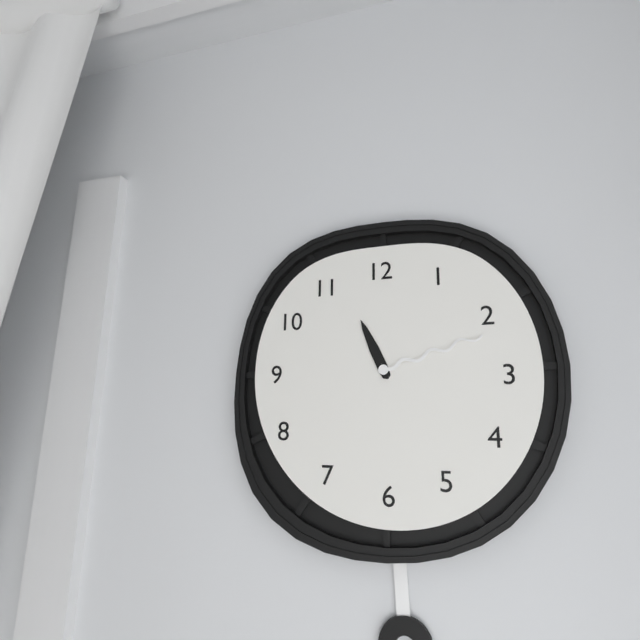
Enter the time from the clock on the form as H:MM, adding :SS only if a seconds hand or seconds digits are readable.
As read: 11:12
